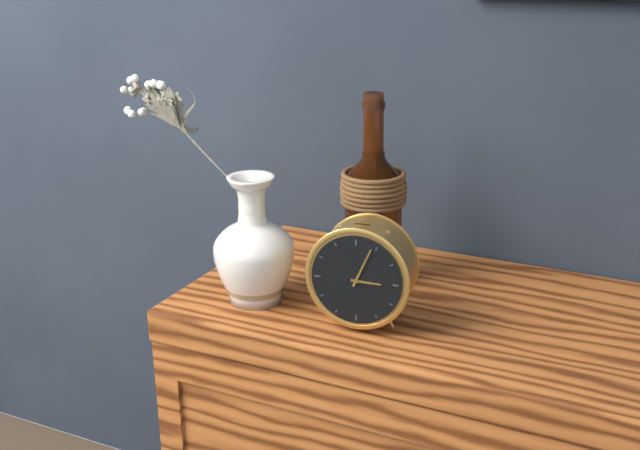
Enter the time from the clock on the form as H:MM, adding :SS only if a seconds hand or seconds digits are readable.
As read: 3:04
